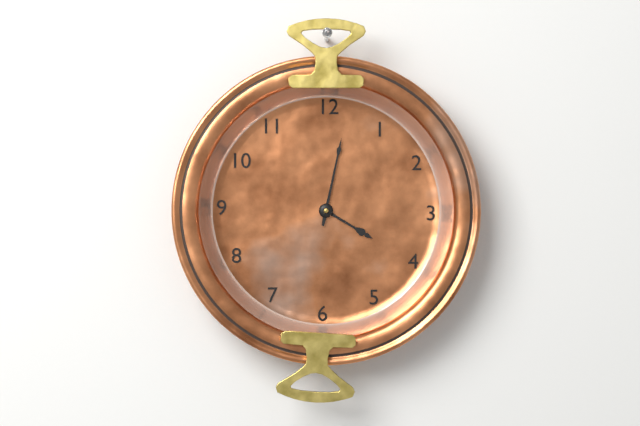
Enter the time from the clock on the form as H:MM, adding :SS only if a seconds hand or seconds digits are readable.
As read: 4:02
